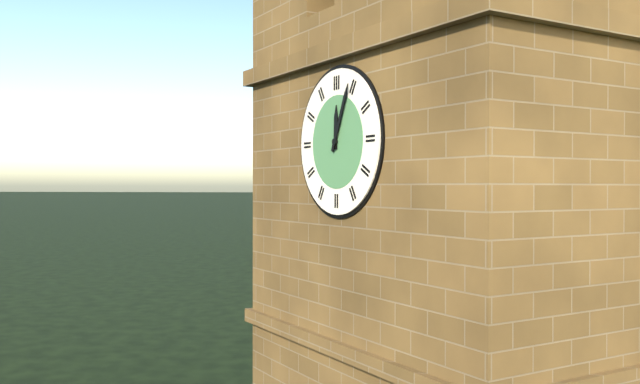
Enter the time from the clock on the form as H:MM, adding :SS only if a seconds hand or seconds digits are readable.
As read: 12:04
